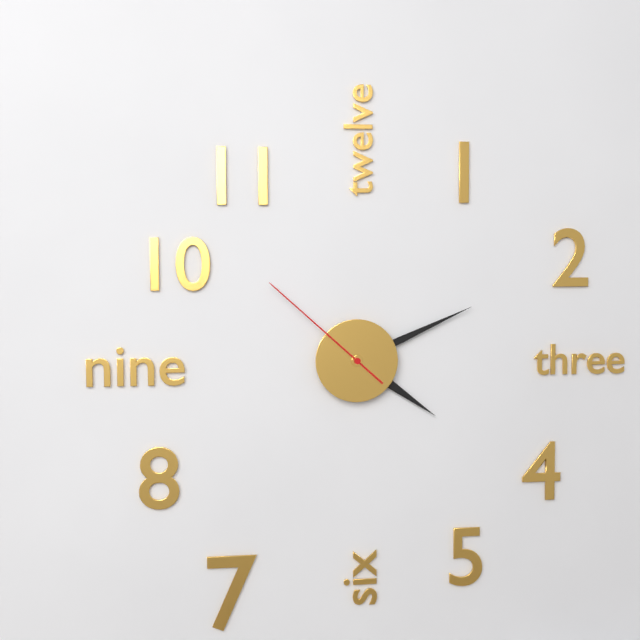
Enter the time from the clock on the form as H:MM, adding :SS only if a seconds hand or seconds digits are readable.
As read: 4:11:52
